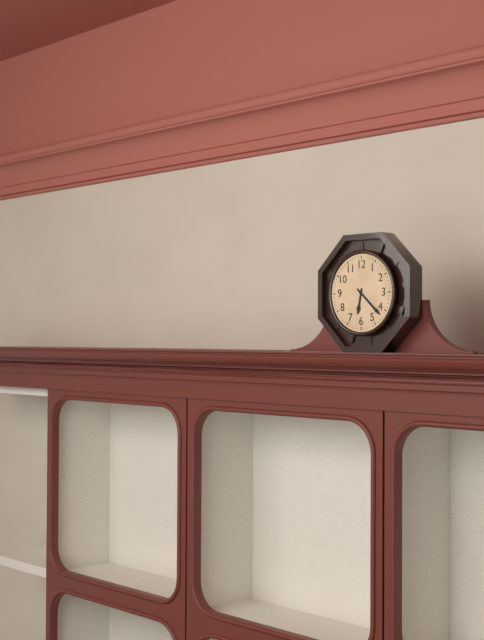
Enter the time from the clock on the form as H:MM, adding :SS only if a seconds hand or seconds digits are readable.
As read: 6:22
